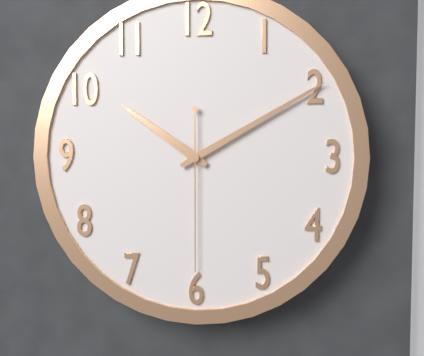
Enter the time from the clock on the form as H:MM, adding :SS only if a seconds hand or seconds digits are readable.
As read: 10:10:30
